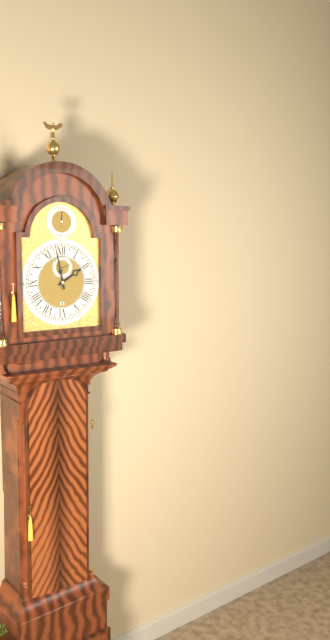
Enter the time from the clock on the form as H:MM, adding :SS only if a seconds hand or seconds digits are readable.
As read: 1:58
